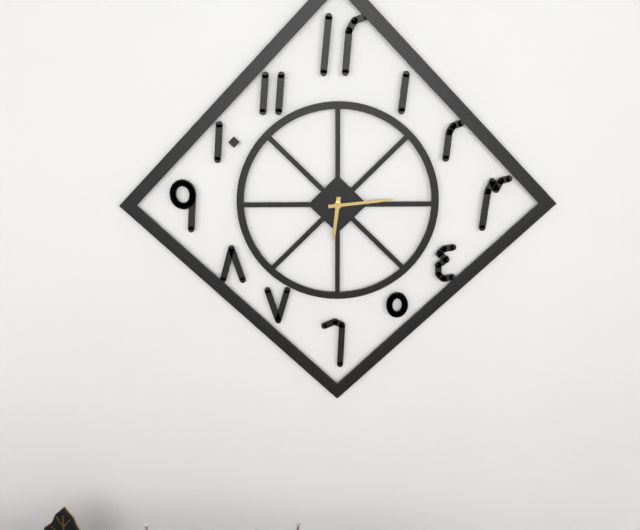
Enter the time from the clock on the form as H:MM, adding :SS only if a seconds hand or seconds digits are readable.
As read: 6:14
